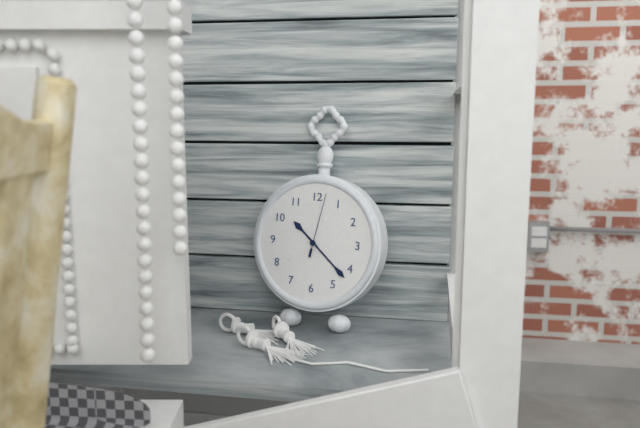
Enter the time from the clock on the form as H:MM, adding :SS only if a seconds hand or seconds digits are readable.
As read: 10:22:02
